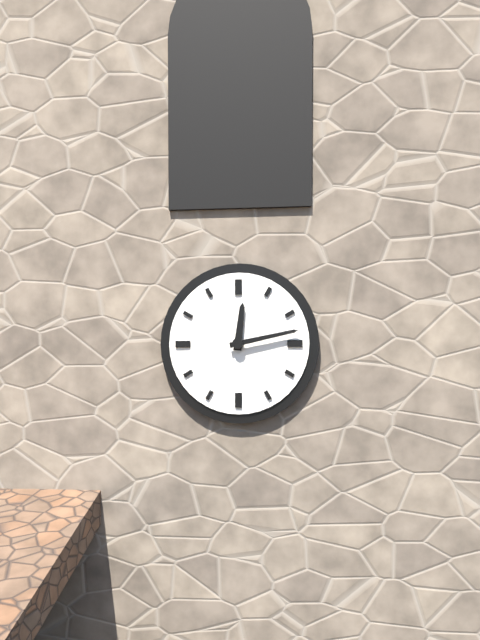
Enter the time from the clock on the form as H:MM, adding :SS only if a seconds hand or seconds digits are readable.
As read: 12:13
